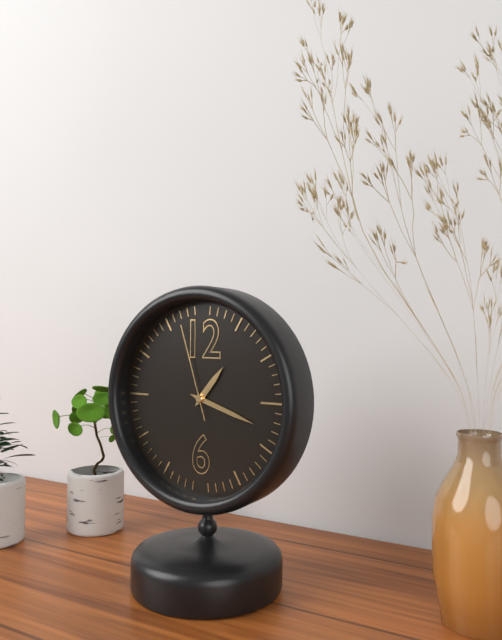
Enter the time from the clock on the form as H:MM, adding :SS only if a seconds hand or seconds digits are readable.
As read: 1:18:57
